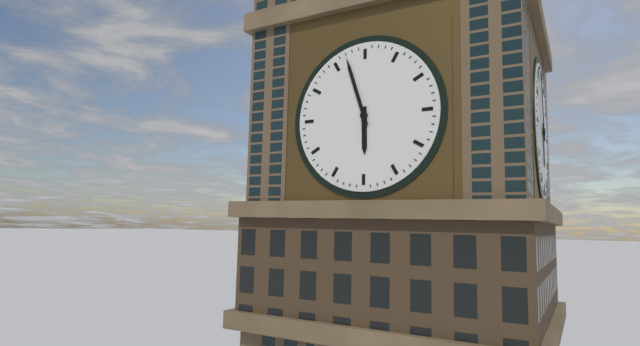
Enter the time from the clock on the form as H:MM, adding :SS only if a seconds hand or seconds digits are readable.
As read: 5:57
